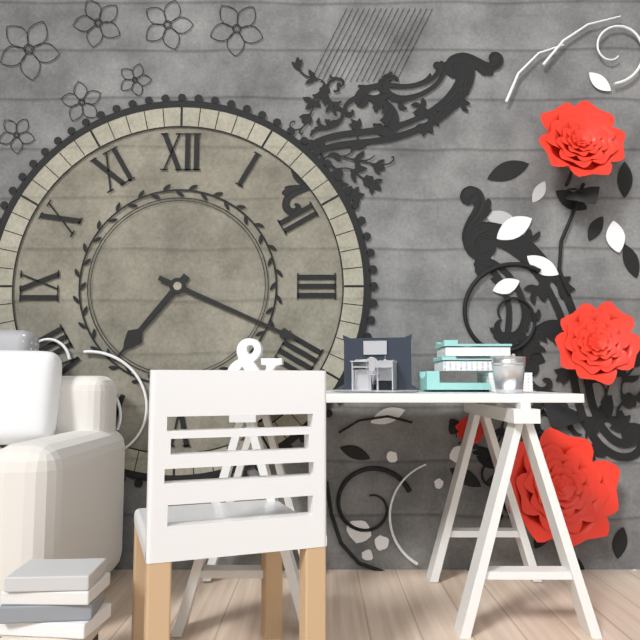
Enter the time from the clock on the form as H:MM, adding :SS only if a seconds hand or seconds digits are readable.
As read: 7:19
